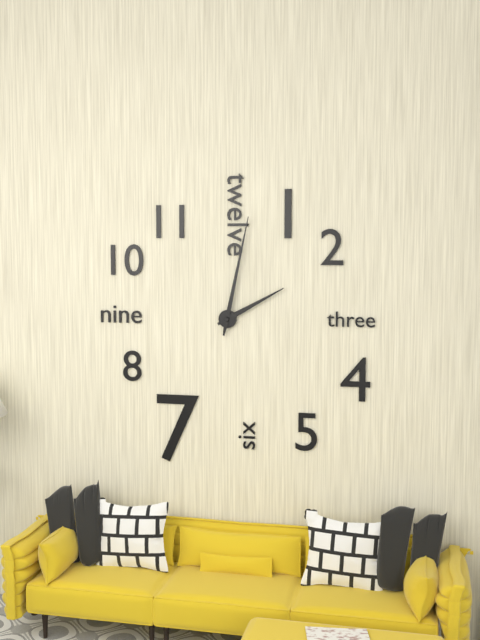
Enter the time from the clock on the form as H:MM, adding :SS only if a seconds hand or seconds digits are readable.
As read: 2:02
